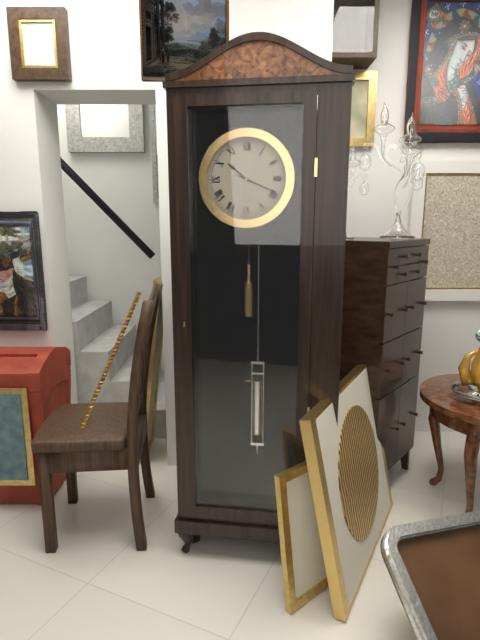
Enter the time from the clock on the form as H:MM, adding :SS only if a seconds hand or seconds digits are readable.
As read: 10:19
